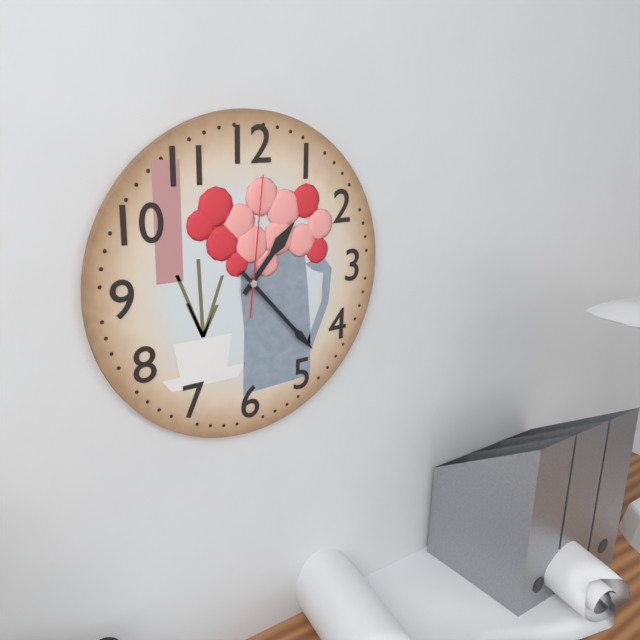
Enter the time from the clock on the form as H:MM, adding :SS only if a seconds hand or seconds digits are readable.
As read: 1:23:01
